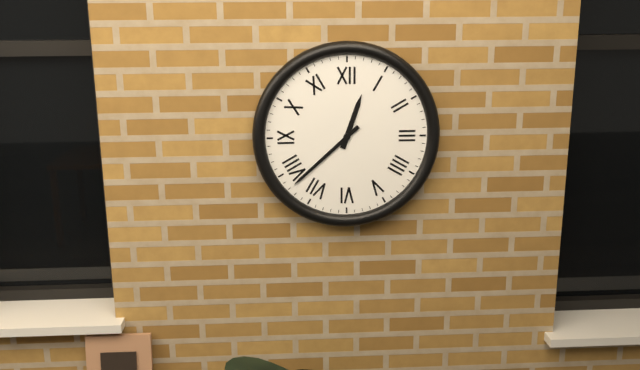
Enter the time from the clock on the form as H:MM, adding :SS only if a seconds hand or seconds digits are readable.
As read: 12:38
